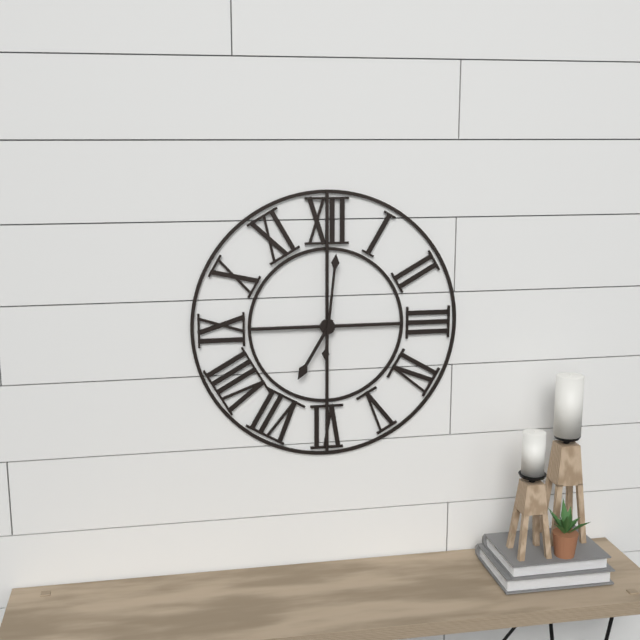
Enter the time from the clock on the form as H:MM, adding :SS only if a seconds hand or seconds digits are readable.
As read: 7:01
